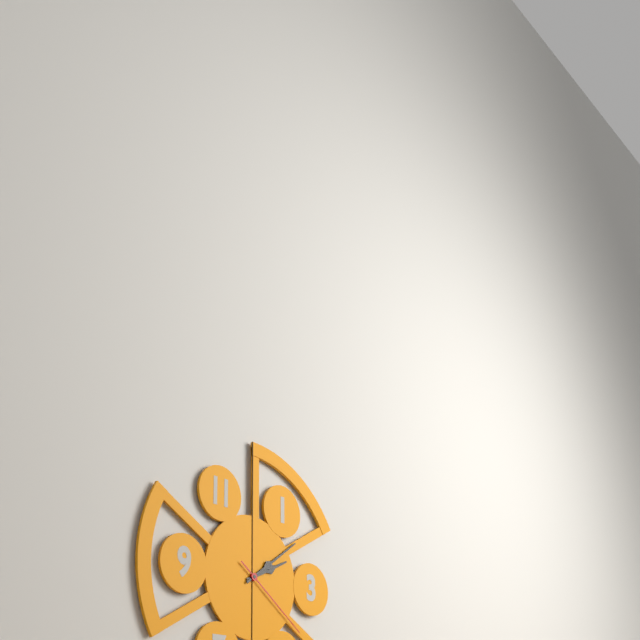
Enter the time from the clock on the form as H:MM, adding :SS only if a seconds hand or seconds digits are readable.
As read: 2:09:21
